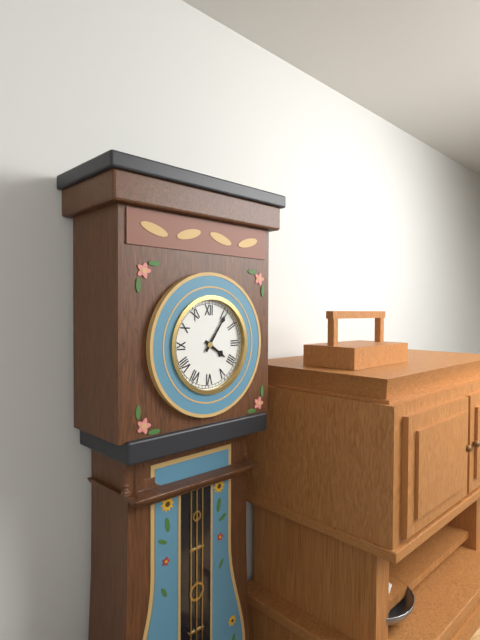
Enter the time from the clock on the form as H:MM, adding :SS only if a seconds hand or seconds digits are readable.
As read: 4:06
